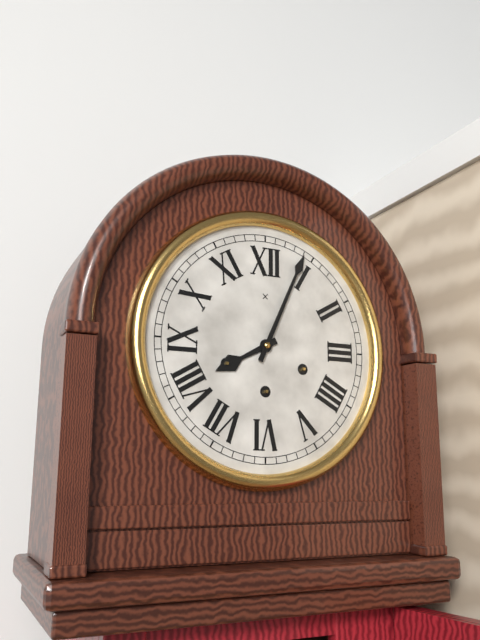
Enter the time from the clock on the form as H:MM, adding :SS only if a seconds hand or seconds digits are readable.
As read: 8:04
